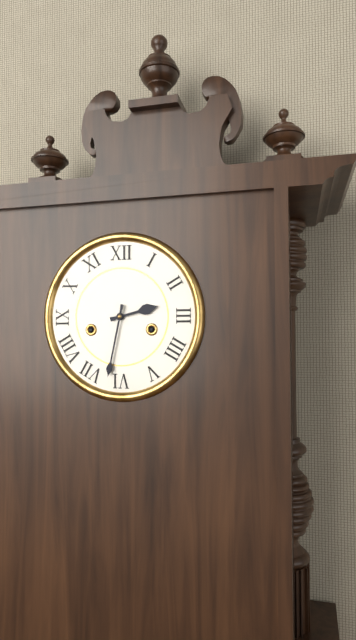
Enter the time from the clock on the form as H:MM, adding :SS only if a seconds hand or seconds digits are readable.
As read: 2:32
